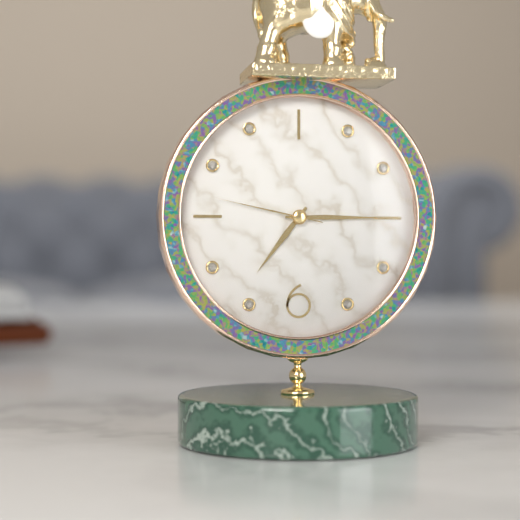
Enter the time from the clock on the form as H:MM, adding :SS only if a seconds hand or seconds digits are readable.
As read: 7:15:47
